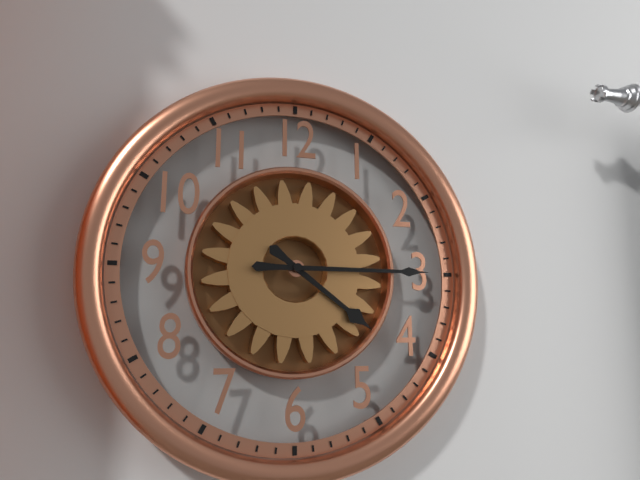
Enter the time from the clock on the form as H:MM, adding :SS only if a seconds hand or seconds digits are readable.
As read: 4:15
